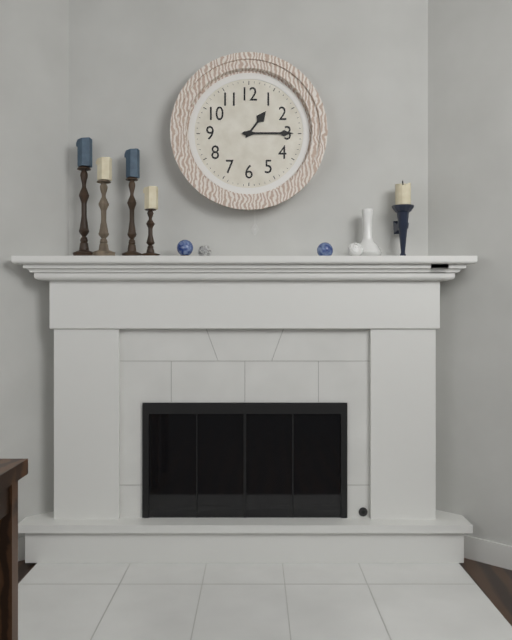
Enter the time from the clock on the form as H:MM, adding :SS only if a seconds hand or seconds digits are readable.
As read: 1:15
